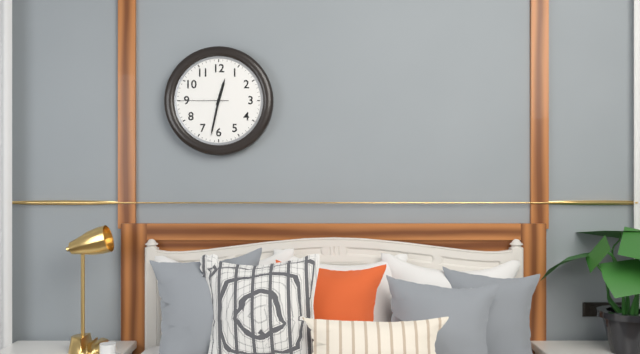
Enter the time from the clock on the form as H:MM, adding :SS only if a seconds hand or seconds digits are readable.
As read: 12:32:45
